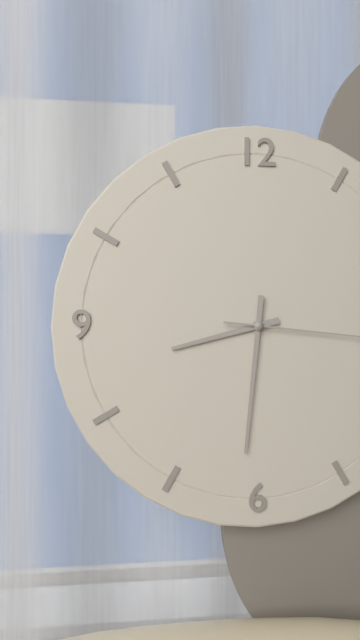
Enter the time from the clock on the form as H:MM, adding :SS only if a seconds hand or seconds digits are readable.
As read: 8:31
